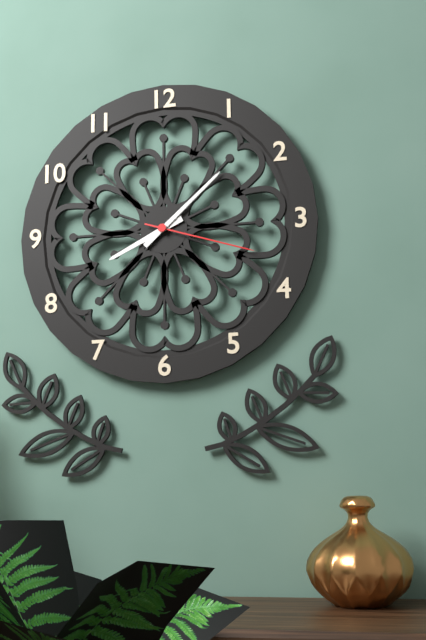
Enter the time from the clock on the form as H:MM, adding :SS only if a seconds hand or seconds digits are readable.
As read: 8:08:18
